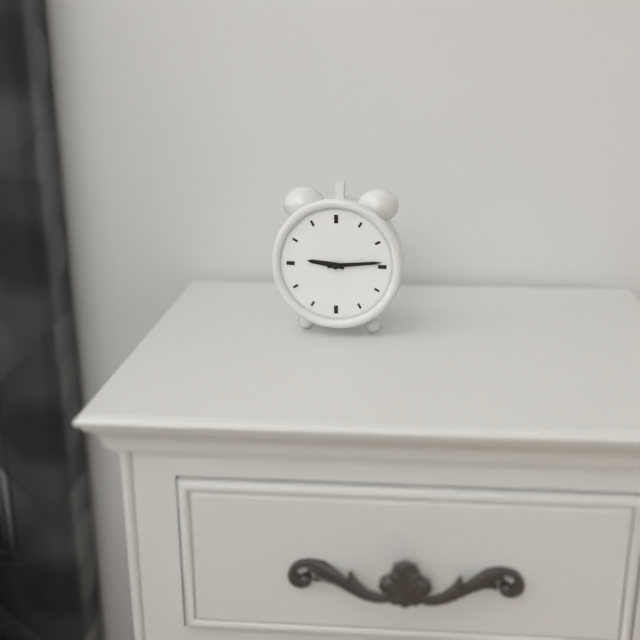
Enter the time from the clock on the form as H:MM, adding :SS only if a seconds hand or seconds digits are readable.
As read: 9:14
